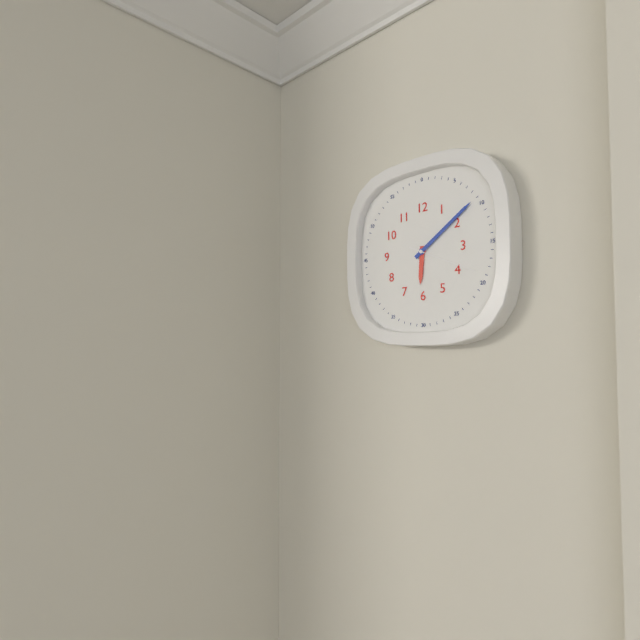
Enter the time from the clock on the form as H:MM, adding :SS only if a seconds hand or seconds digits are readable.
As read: 6:09:19
